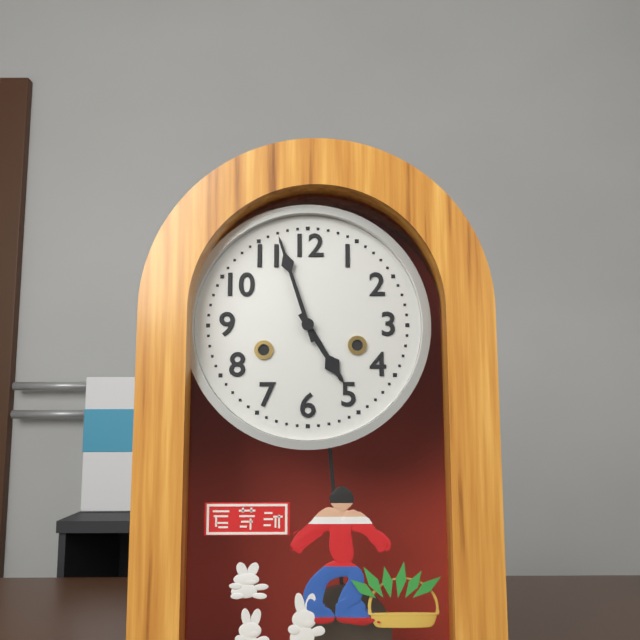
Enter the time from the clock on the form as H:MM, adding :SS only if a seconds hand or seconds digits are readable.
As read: 4:57
